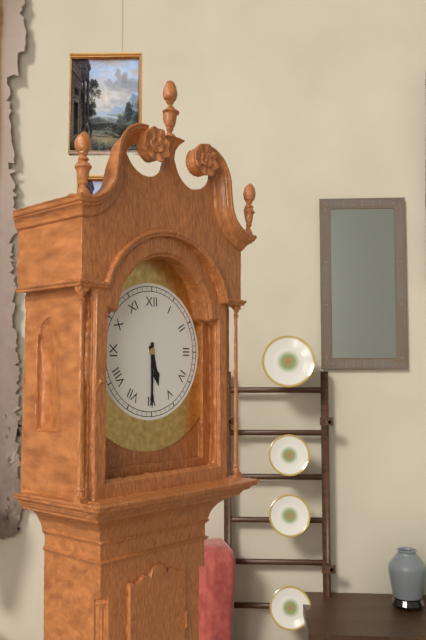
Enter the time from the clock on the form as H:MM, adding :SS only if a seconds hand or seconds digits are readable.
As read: 5:30
